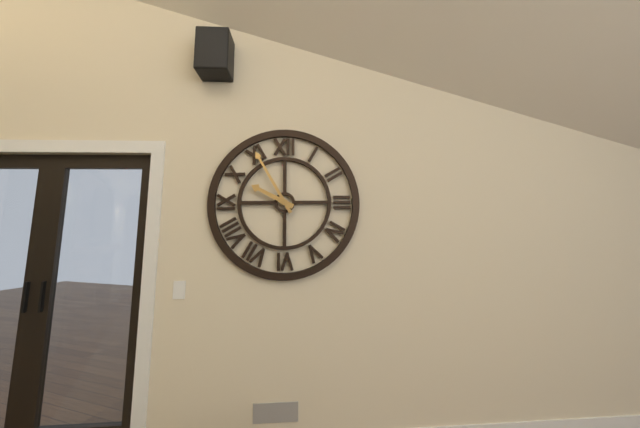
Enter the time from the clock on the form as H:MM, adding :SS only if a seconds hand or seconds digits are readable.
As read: 9:55
